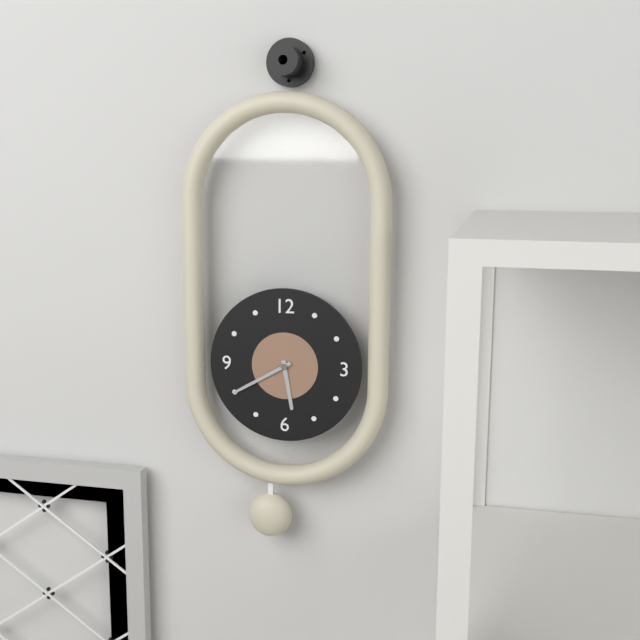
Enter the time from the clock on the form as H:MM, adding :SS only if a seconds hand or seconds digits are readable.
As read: 5:40
